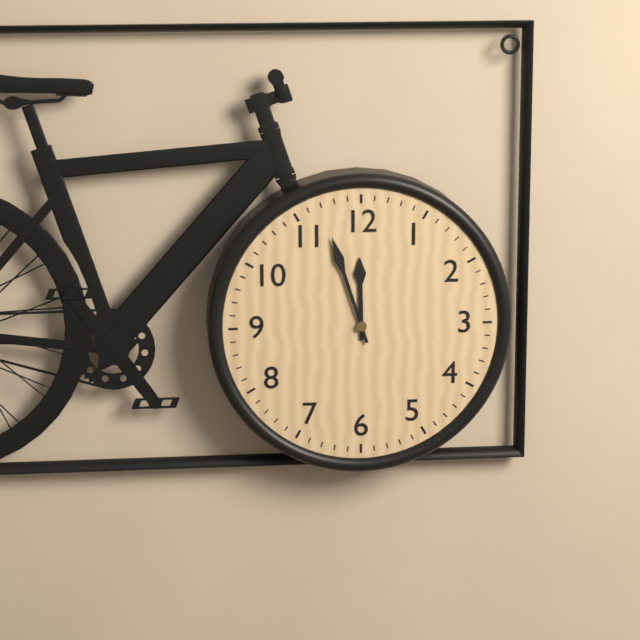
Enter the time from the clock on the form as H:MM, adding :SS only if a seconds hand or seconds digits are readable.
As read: 11:57
